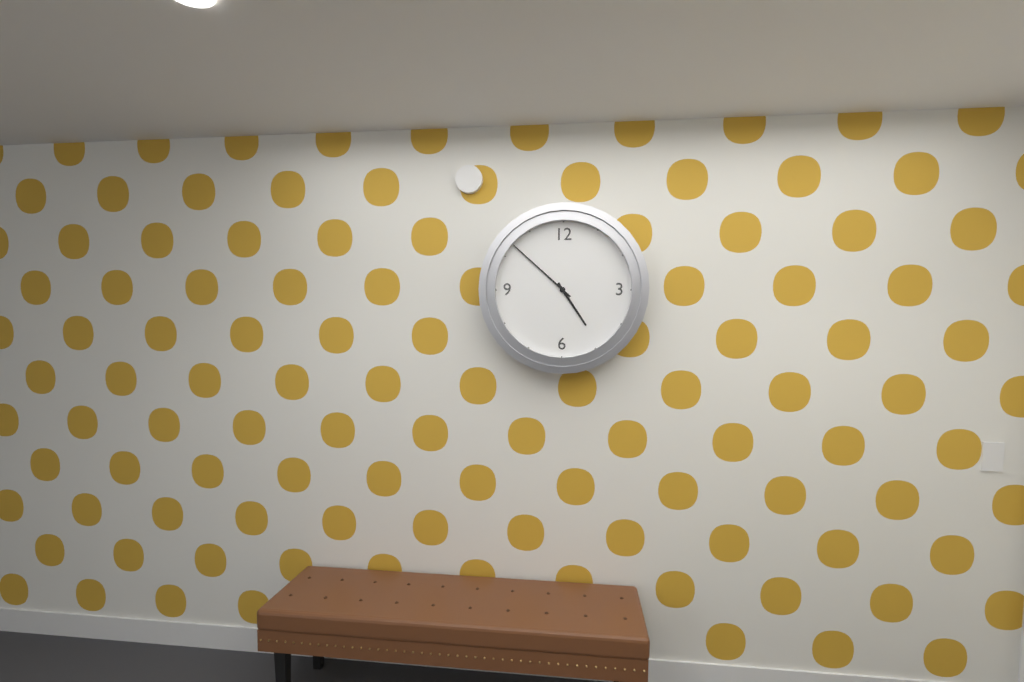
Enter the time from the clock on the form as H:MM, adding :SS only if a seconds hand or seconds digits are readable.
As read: 4:52
